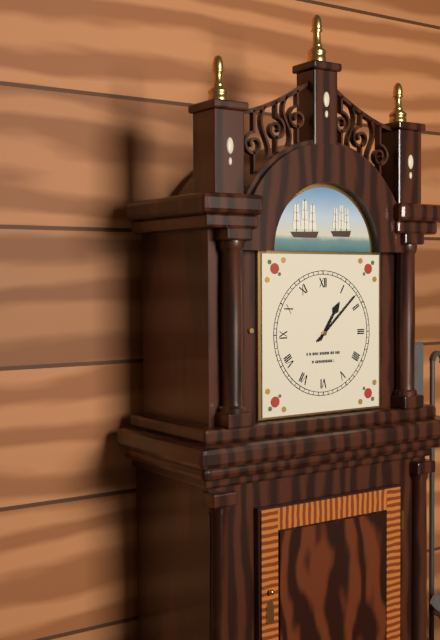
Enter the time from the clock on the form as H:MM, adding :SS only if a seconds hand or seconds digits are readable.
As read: 1:08
